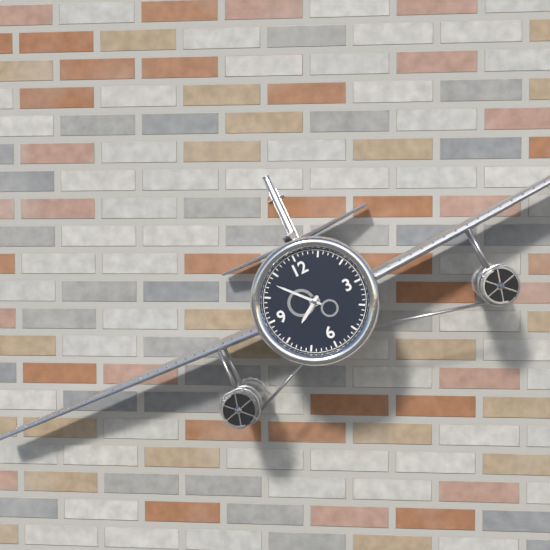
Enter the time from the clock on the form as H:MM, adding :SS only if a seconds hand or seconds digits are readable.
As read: 7:53
